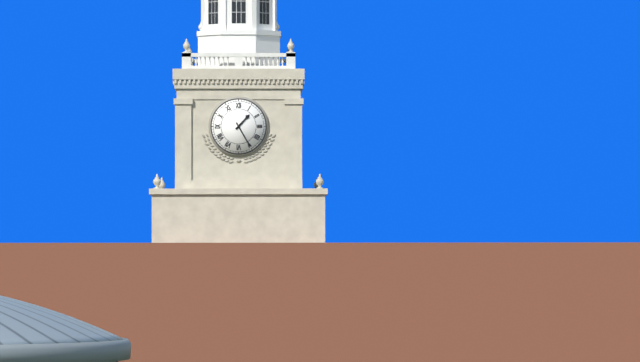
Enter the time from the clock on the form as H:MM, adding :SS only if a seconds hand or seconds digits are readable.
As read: 1:25
